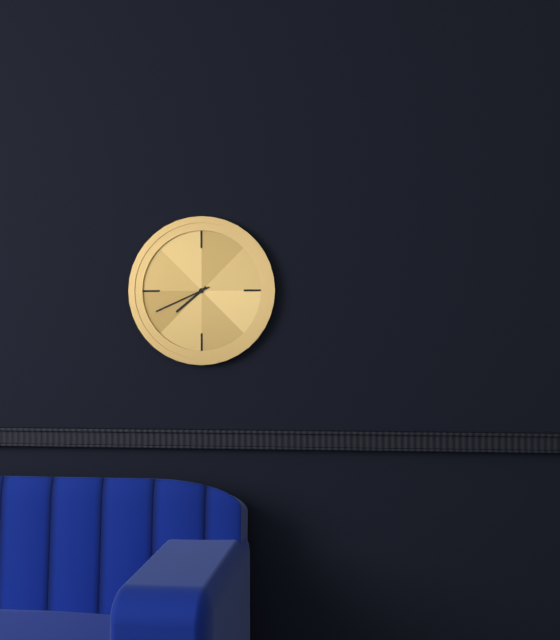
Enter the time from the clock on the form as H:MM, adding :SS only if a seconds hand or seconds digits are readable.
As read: 7:41
